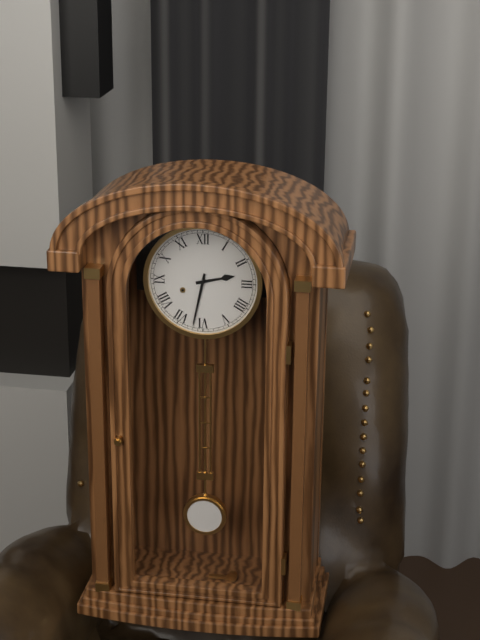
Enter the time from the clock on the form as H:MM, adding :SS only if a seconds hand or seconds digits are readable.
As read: 2:32
